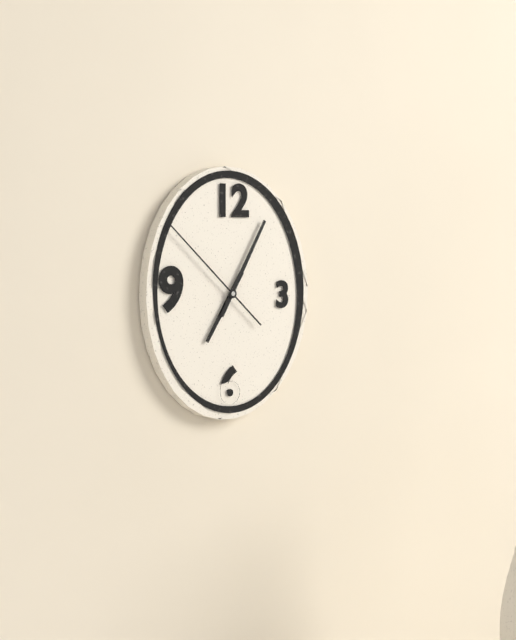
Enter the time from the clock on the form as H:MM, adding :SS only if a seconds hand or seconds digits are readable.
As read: 7:05:52
